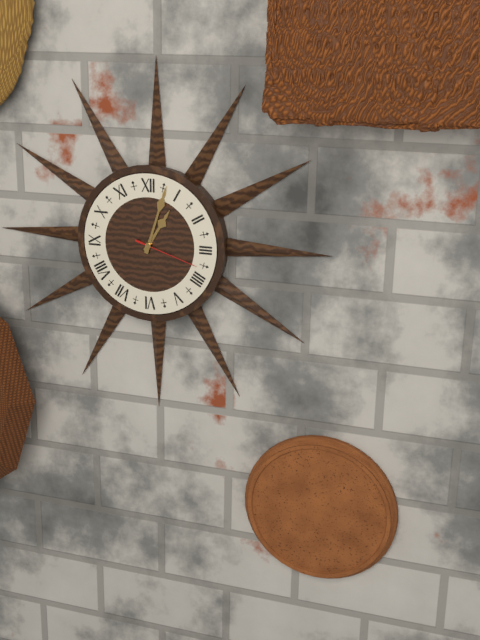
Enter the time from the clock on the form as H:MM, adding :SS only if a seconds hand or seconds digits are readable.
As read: 1:03:18
